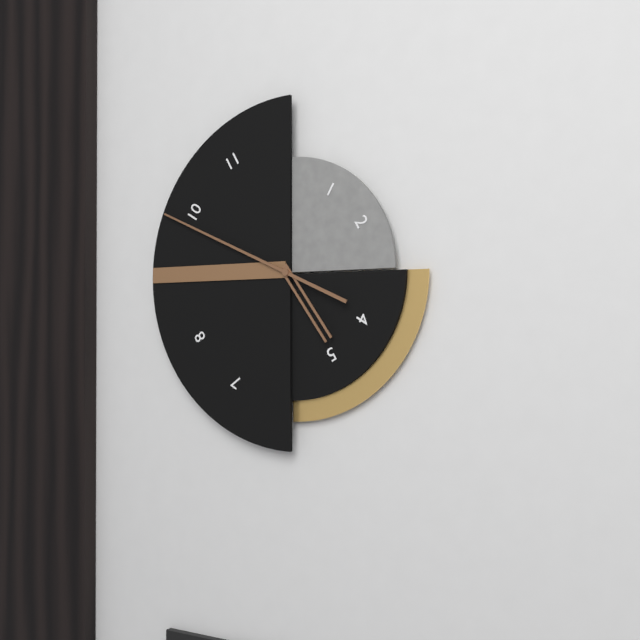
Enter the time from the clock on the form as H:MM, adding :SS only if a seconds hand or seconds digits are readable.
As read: 4:49
